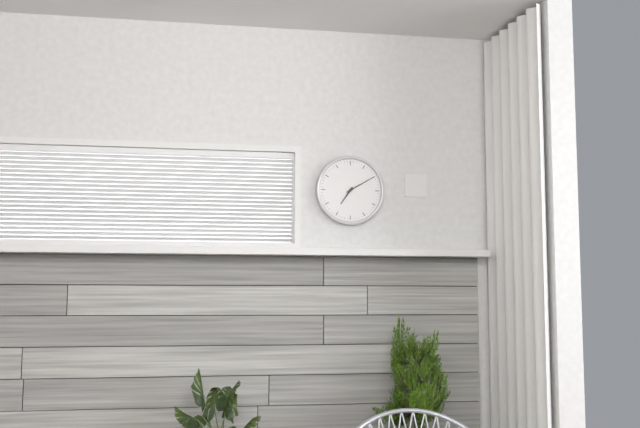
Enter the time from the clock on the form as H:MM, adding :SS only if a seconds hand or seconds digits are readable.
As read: 7:10
